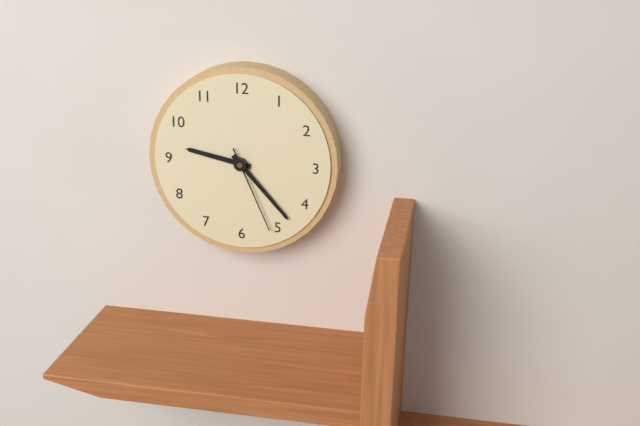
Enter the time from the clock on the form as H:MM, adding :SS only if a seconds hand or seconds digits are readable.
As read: 9:23:26
